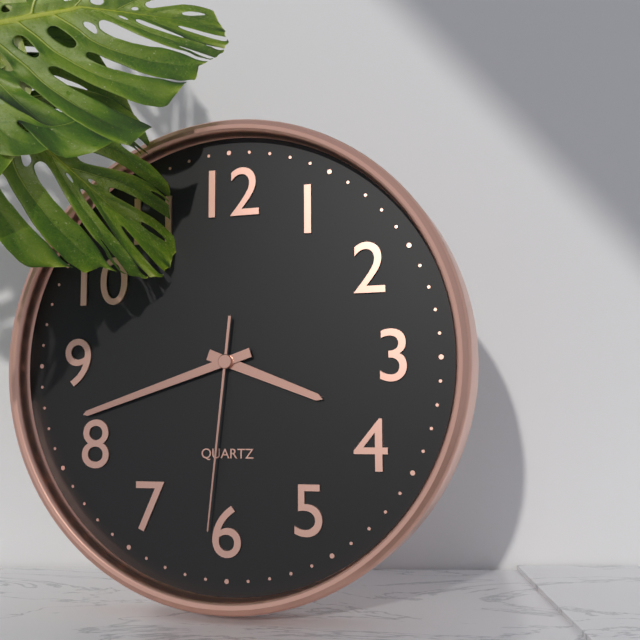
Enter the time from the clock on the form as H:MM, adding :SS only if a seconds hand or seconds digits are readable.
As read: 3:42:31
